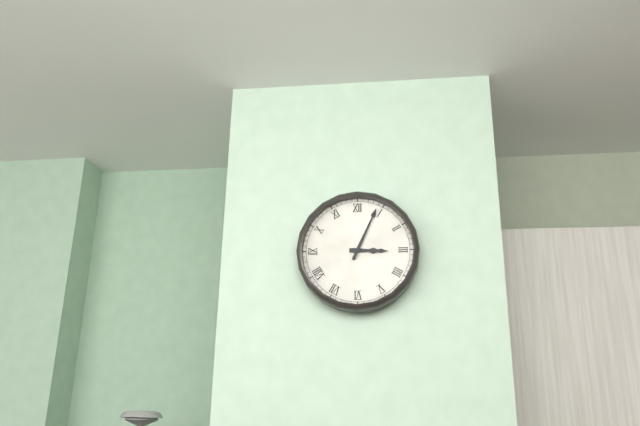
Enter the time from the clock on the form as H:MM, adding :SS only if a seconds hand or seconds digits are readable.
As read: 3:04
